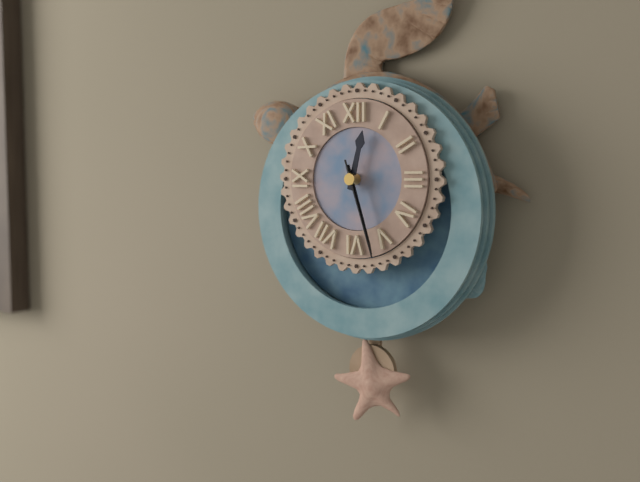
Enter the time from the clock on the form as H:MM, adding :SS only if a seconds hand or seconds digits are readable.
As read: 12:27:27
